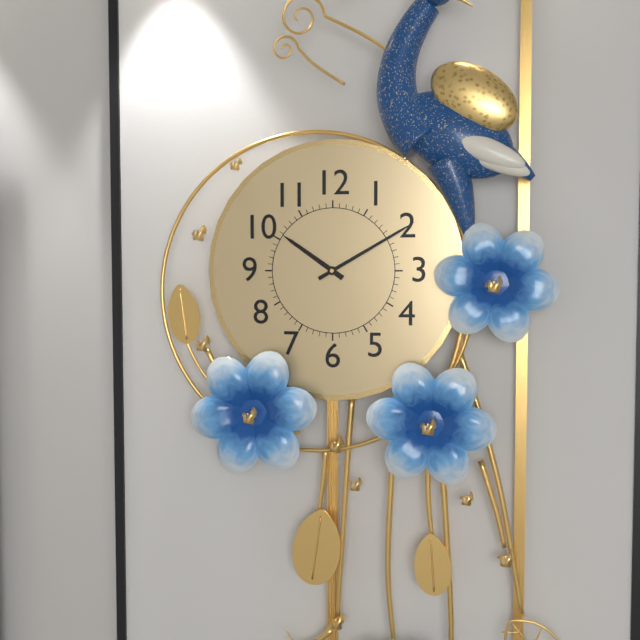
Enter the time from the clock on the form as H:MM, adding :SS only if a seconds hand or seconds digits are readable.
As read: 10:10
